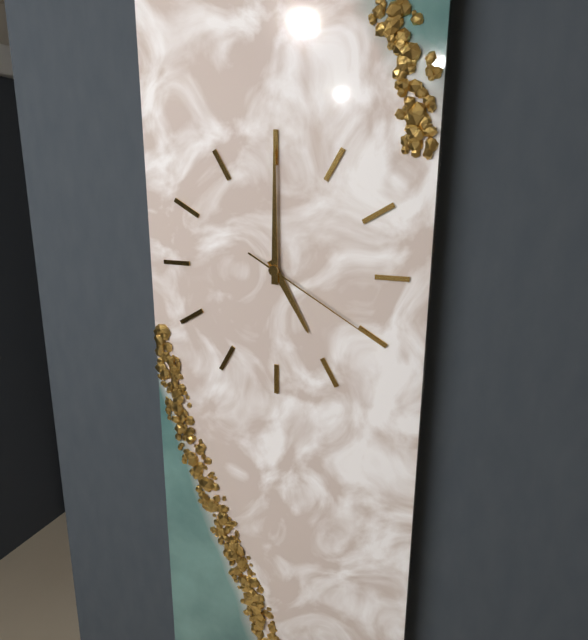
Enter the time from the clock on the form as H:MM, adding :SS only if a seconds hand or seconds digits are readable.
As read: 5:00:20
